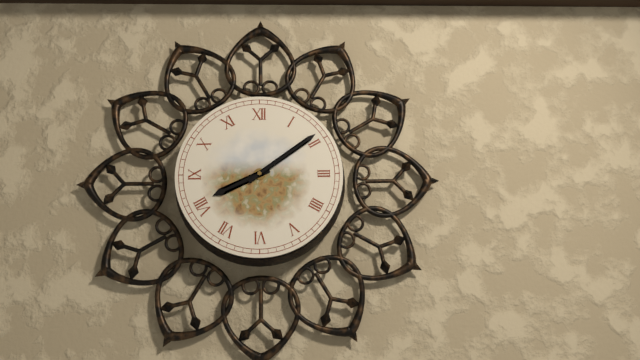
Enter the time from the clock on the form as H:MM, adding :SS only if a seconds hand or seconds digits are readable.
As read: 8:09
